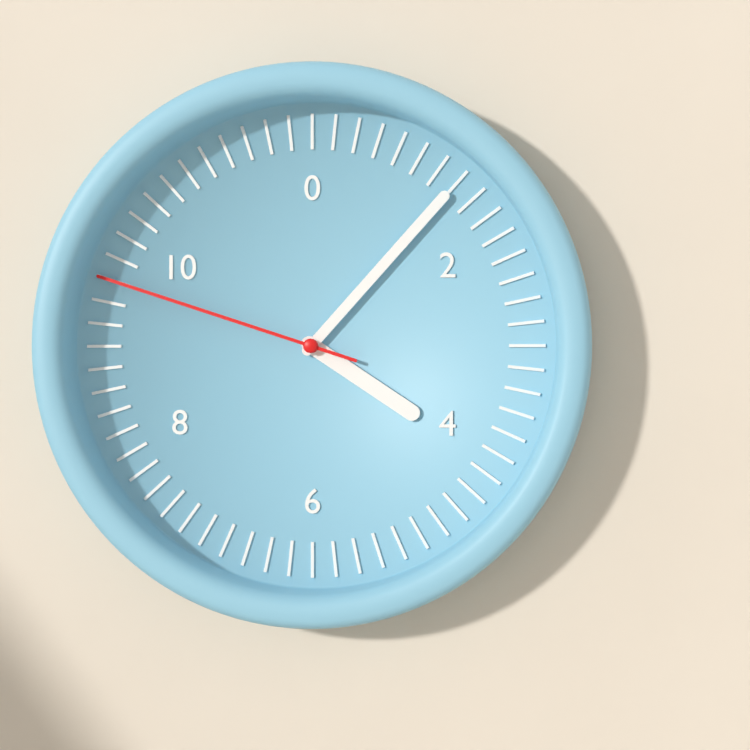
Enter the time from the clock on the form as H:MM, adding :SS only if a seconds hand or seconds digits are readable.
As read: 4:07:48
